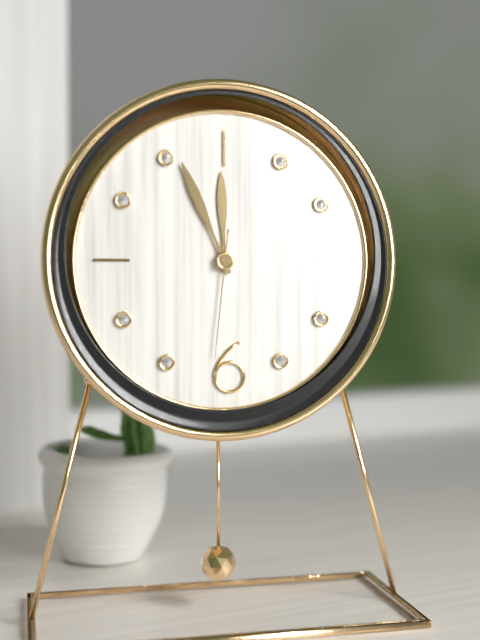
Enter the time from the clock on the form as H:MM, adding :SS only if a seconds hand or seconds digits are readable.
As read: 11:56:31
